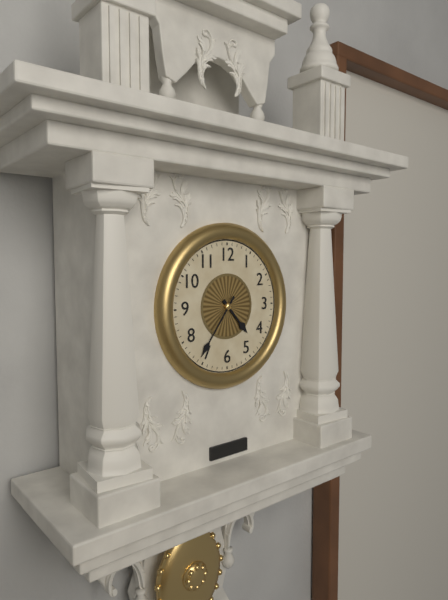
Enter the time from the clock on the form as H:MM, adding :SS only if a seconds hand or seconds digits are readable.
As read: 4:36
